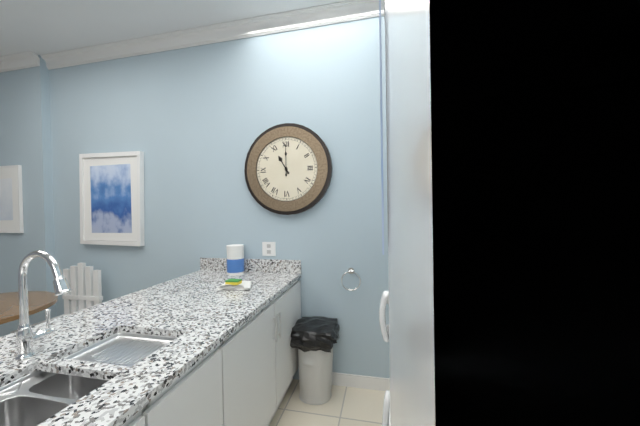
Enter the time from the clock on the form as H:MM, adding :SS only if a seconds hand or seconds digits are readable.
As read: 11:00
